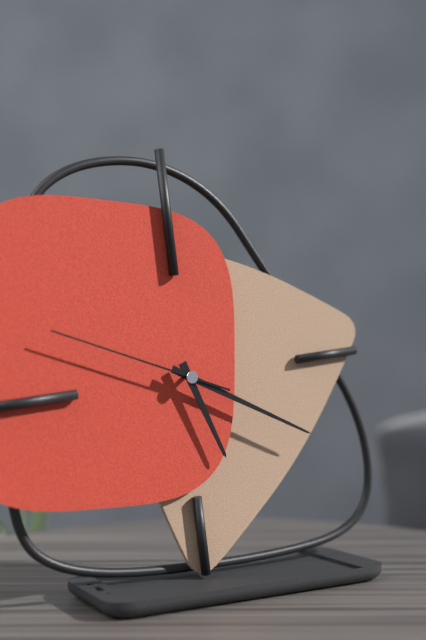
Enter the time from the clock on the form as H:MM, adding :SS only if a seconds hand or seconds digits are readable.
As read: 5:20:49
